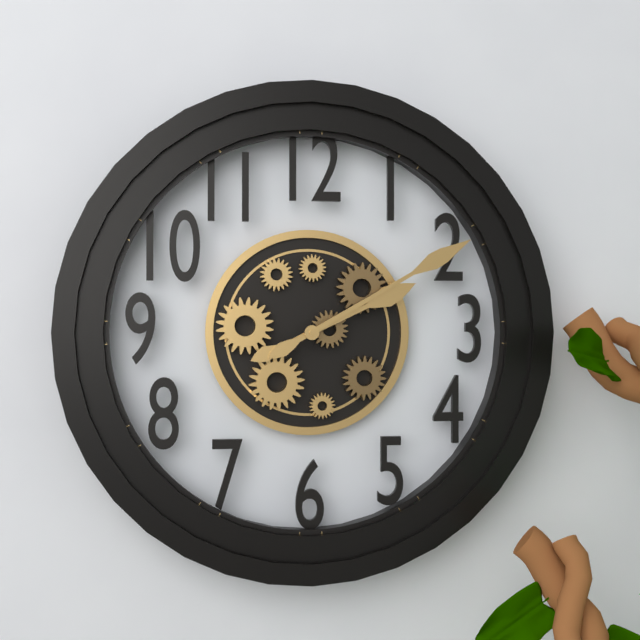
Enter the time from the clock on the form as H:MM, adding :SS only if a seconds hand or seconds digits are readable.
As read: 2:10
